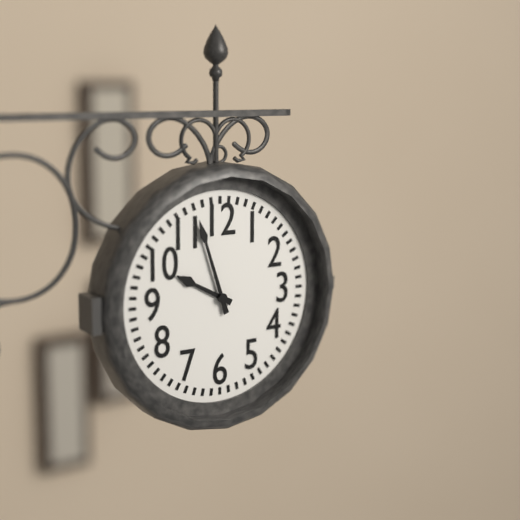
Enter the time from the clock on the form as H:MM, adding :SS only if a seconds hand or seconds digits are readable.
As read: 9:57
